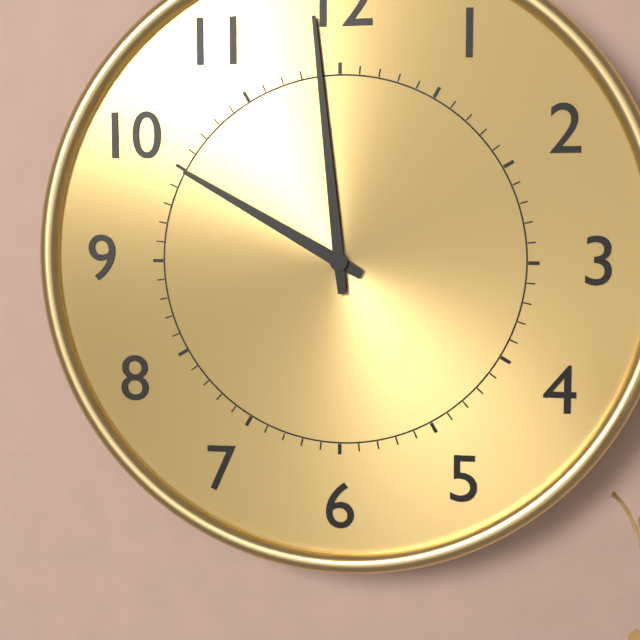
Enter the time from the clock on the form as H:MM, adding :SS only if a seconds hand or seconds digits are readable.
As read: 9:59
